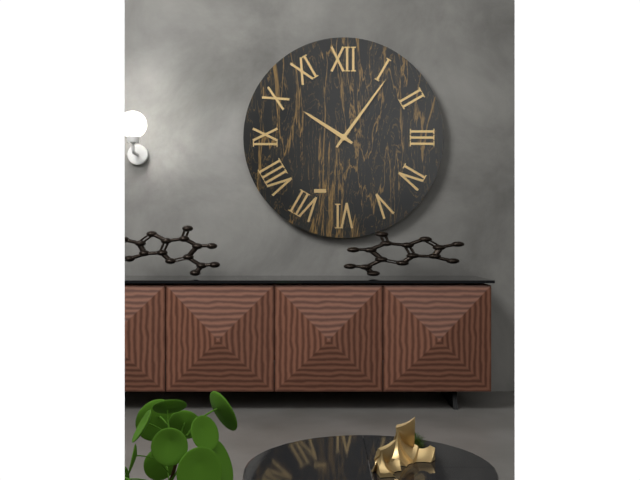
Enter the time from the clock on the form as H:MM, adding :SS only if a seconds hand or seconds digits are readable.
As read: 10:06
